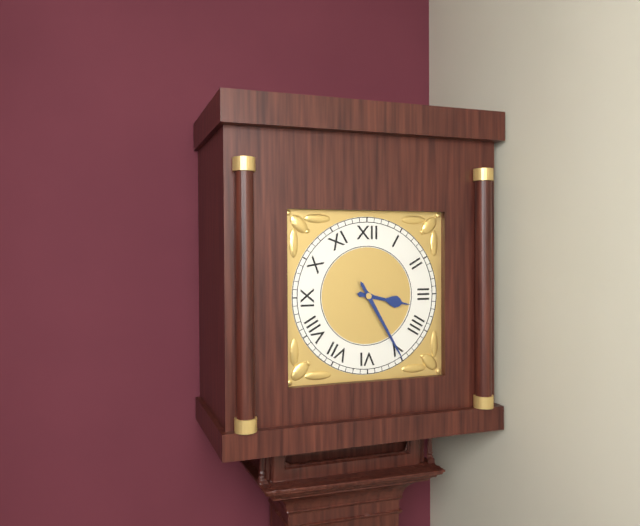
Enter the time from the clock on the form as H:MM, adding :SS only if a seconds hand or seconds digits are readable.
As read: 3:25
